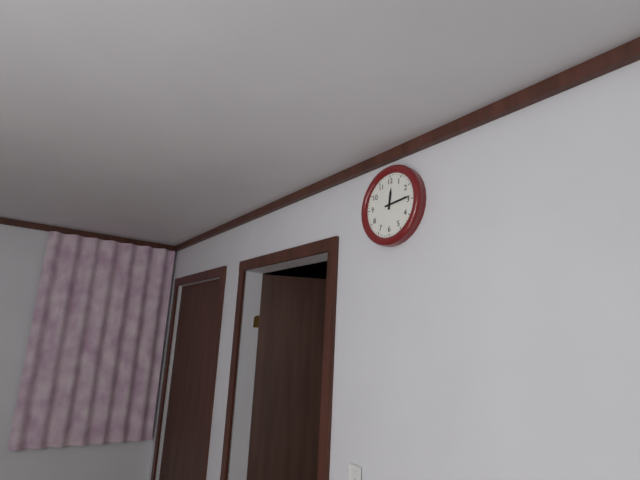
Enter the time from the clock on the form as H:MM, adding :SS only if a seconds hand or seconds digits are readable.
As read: 12:14
